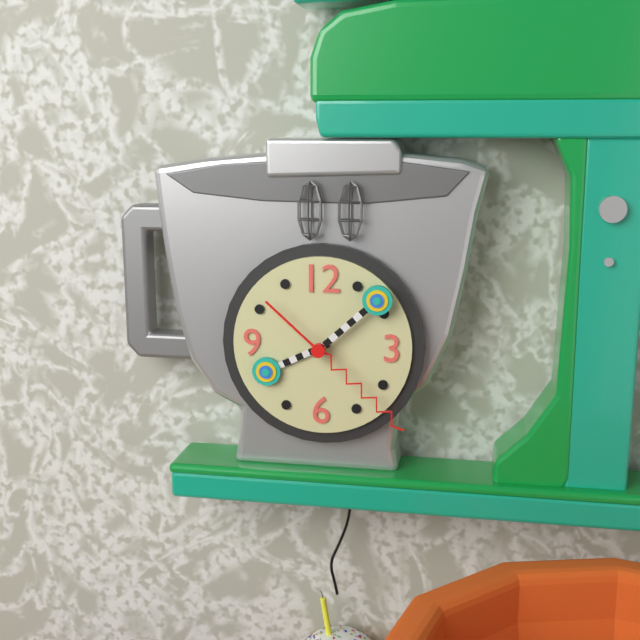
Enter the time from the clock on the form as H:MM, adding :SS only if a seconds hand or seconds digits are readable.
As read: 8:08:22
